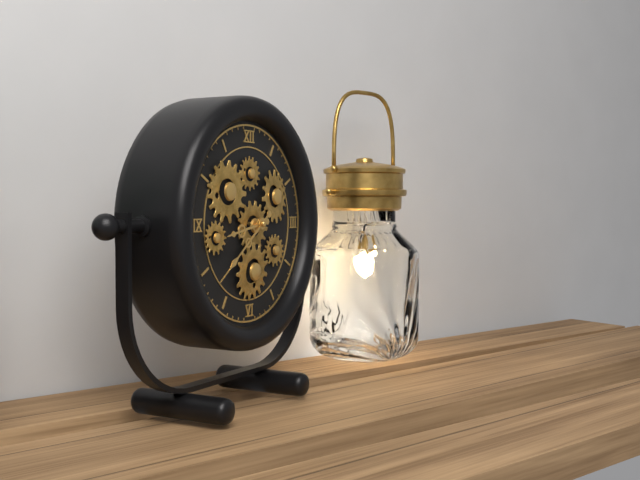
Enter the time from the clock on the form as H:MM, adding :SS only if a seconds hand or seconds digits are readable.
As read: 8:39
